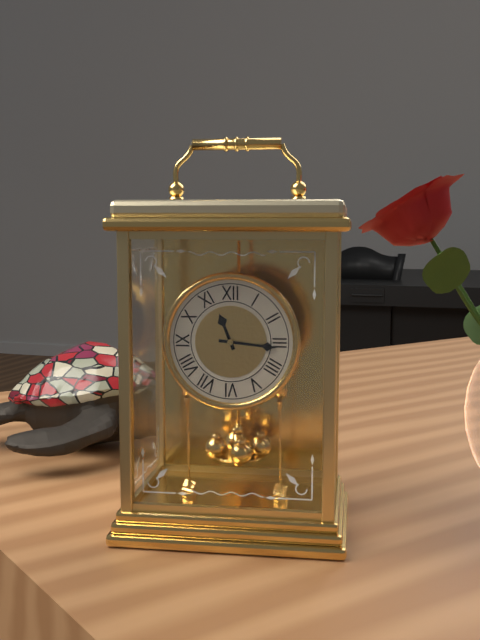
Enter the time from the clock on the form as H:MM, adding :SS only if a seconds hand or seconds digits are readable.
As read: 11:16
